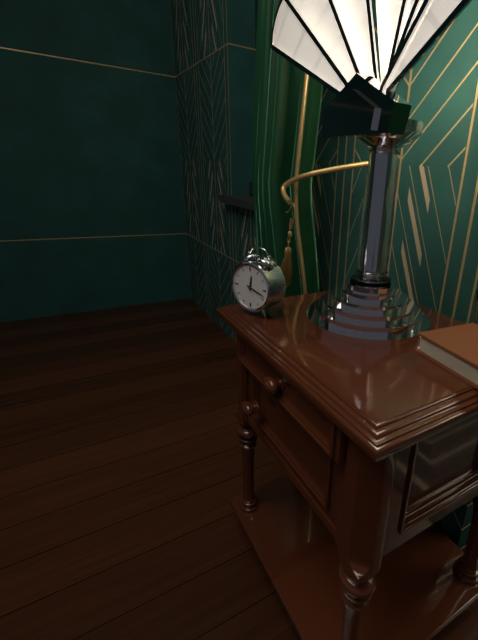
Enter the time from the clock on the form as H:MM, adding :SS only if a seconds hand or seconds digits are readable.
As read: 12:18
